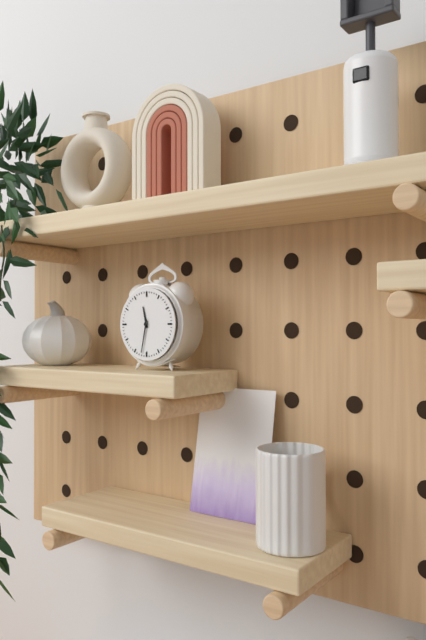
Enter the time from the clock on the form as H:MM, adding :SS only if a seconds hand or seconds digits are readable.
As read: 11:32
